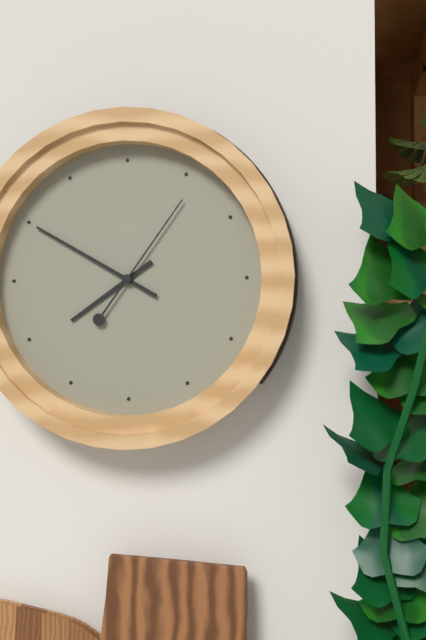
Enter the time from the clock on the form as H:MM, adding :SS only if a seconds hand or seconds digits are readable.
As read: 7:50:06
